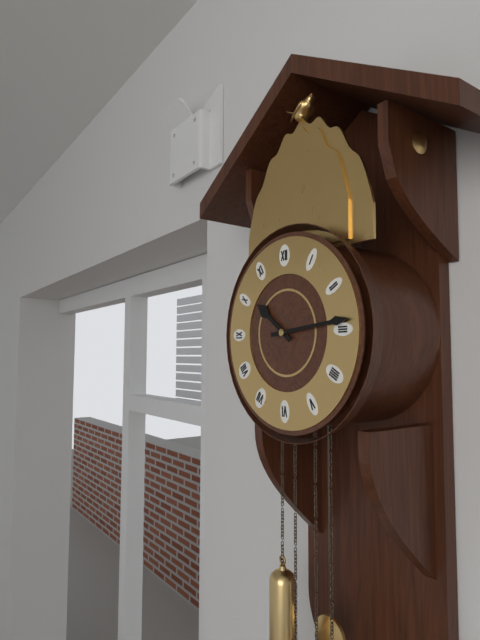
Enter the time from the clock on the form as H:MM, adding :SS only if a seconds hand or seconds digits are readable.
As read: 10:14
